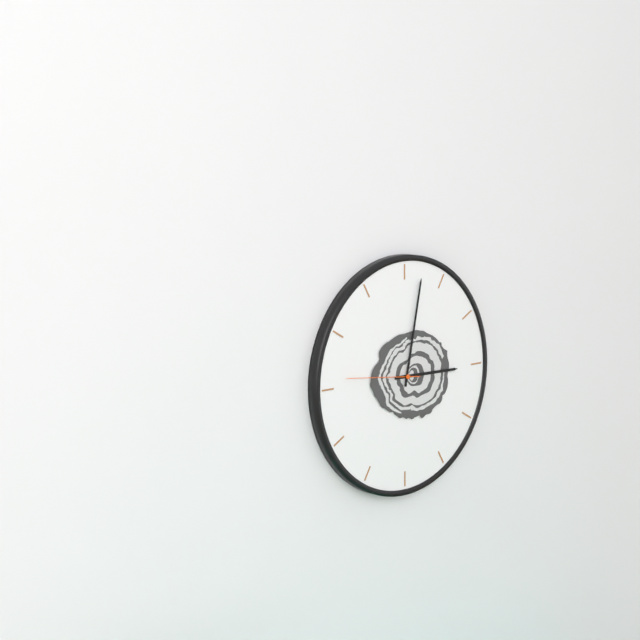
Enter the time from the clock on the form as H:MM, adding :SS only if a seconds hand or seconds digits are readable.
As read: 3:02:46
